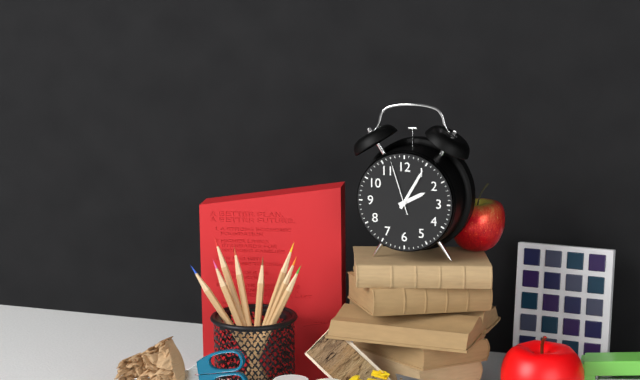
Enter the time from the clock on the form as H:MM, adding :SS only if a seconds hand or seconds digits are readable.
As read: 2:05:57
